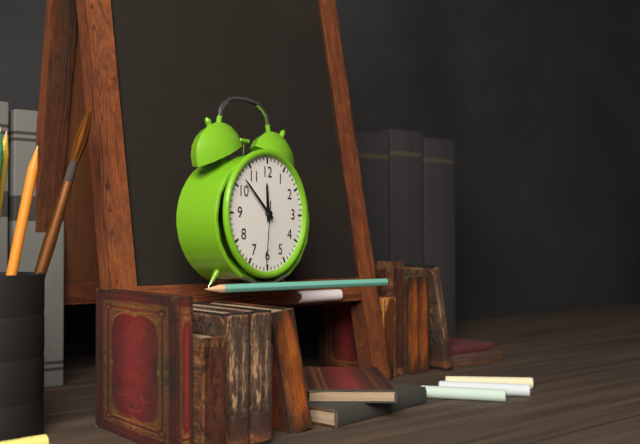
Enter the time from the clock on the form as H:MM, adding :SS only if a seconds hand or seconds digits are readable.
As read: 11:52:31
